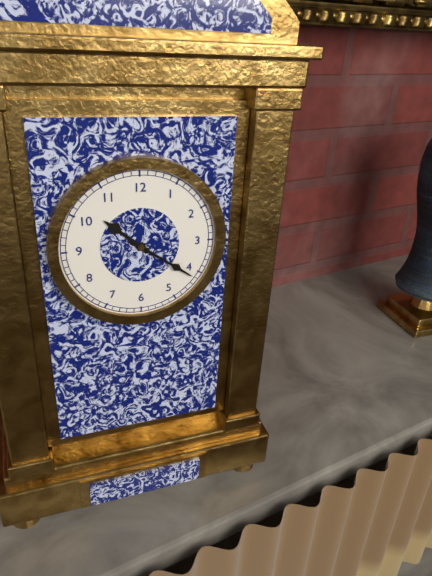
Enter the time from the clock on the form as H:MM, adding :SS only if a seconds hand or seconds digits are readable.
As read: 10:21
